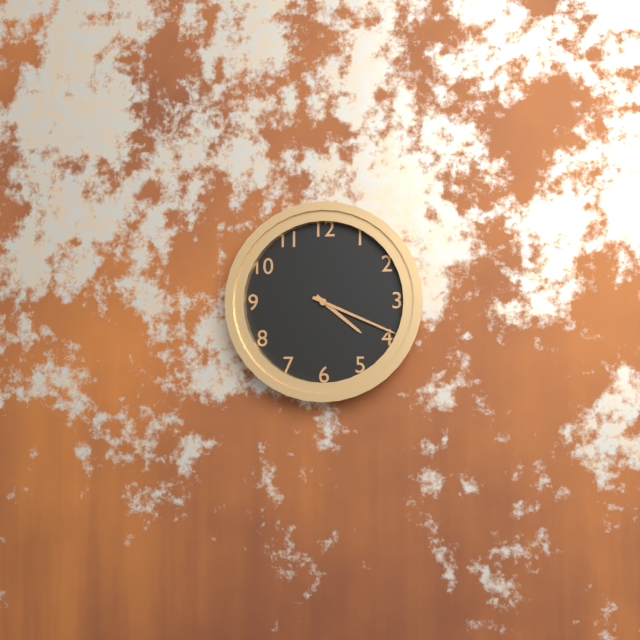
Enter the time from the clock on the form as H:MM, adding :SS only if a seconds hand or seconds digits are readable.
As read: 4:19
